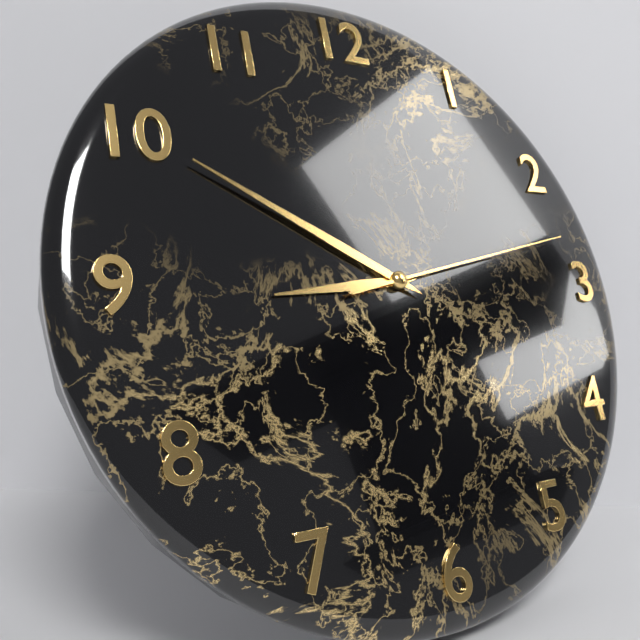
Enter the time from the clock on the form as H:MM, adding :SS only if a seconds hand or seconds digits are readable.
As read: 8:50:13
